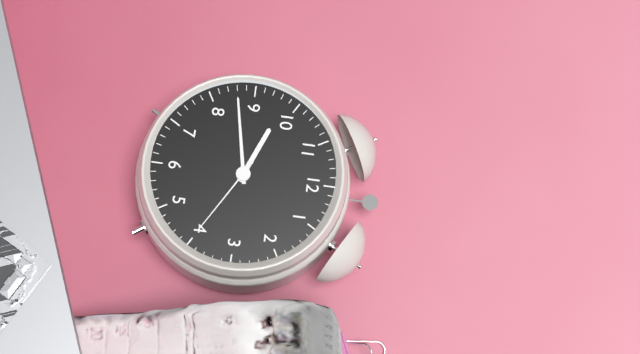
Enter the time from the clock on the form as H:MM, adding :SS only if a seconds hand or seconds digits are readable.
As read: 9:43:20
